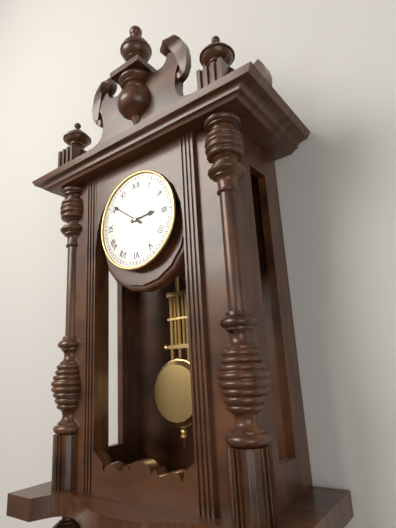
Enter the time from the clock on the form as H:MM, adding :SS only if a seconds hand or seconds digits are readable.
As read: 2:51
